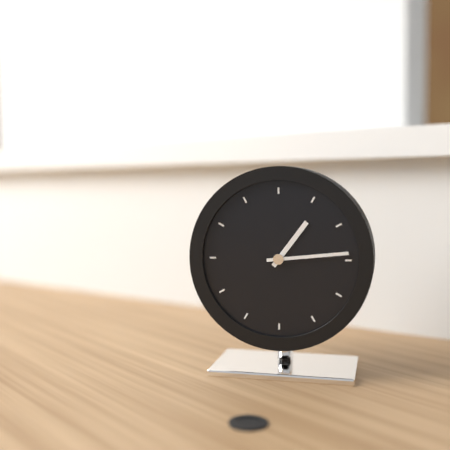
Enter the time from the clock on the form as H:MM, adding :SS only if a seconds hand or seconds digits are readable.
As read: 1:14
